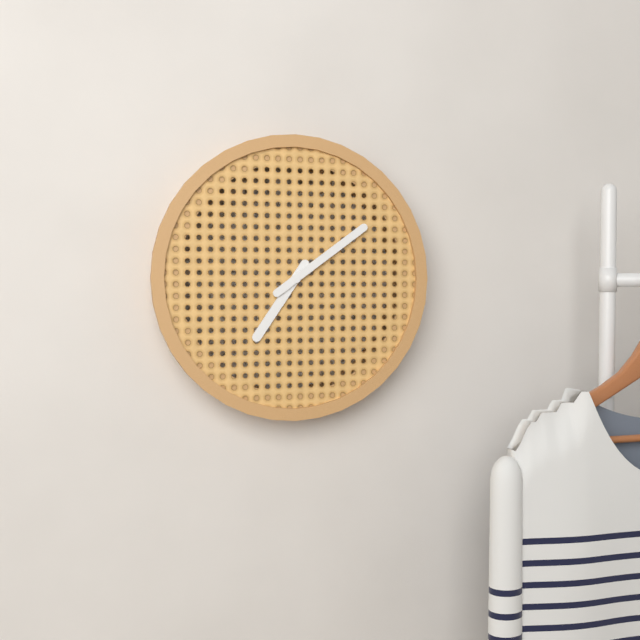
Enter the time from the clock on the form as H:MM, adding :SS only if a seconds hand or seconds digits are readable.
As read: 7:09
